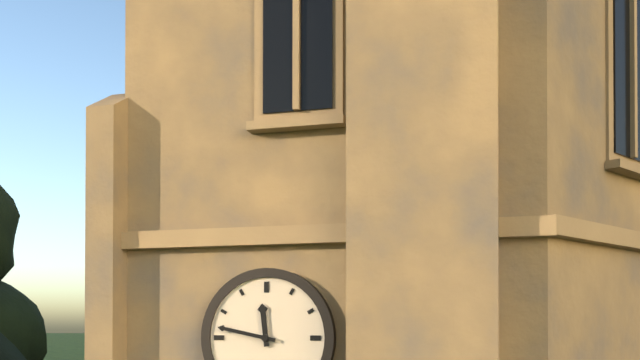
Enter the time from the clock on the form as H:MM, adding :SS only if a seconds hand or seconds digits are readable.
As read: 11:47
